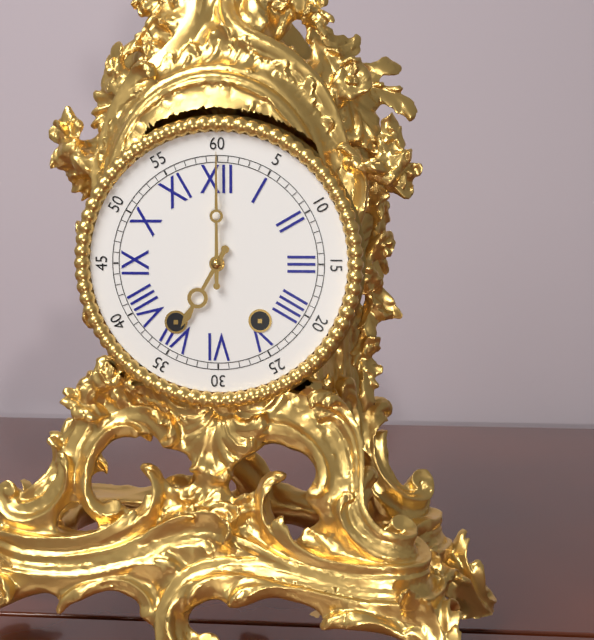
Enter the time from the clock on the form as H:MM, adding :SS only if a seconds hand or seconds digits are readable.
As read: 7:00
